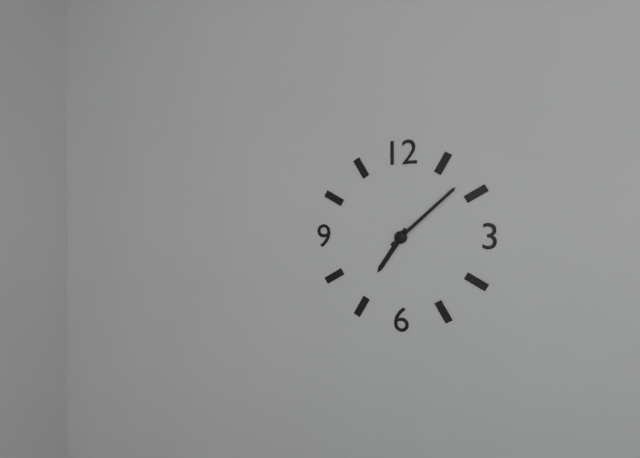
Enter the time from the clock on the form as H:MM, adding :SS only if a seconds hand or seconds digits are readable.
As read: 7:08
